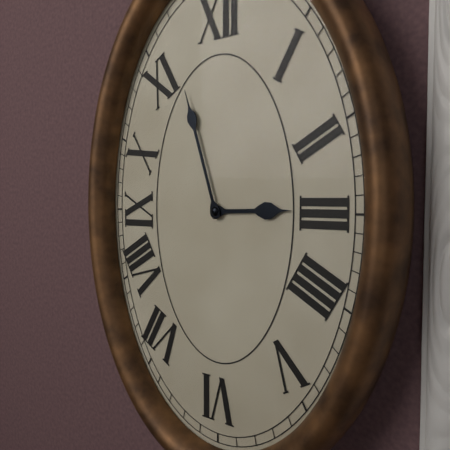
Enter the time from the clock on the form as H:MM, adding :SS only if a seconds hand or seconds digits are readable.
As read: 2:57
